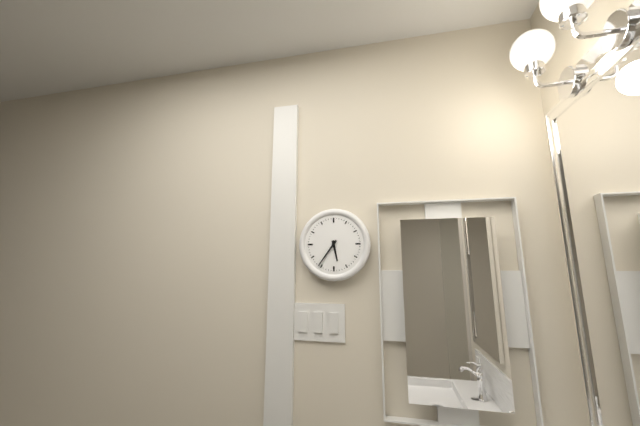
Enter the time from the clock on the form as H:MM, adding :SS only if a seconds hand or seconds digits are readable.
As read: 5:36
